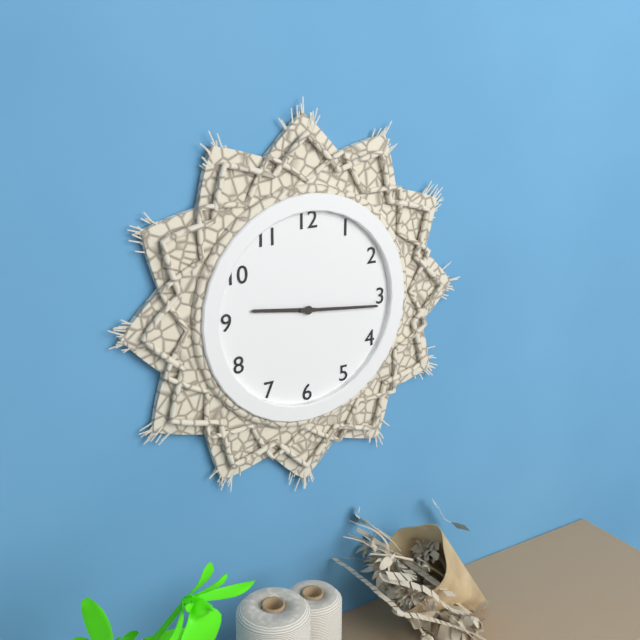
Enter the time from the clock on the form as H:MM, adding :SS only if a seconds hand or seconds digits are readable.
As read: 9:16
